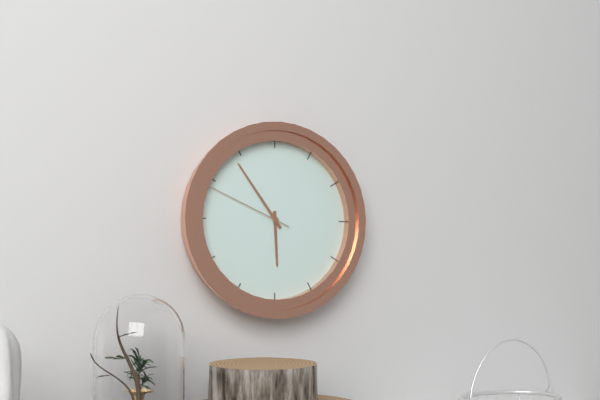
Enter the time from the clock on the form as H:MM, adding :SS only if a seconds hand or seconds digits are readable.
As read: 5:54:49
